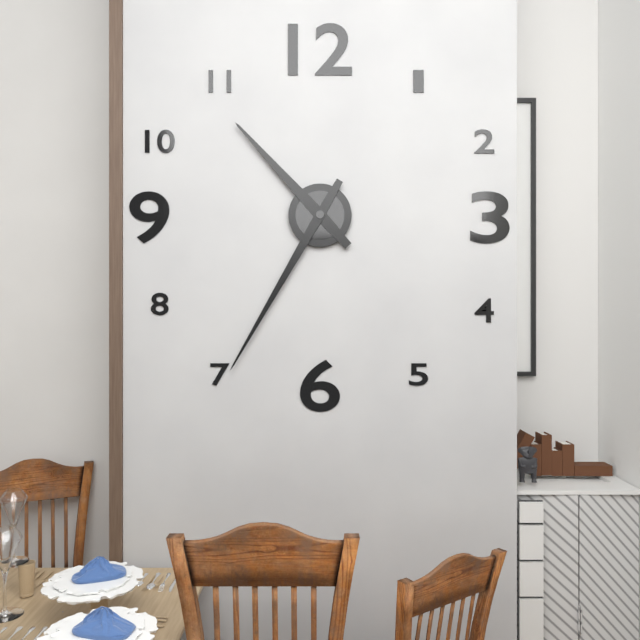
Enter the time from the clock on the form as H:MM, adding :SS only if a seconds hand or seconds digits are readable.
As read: 10:35
